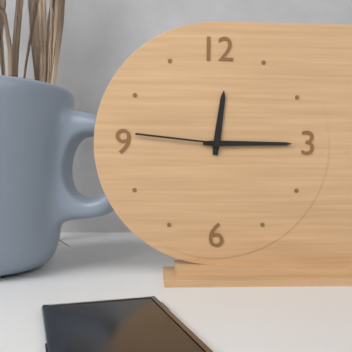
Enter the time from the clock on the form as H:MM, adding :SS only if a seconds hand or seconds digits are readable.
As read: 12:15:46
